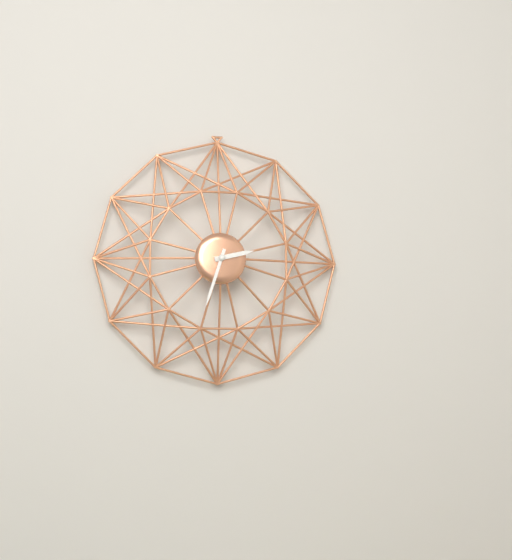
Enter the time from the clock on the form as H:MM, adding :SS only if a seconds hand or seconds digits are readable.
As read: 2:33
